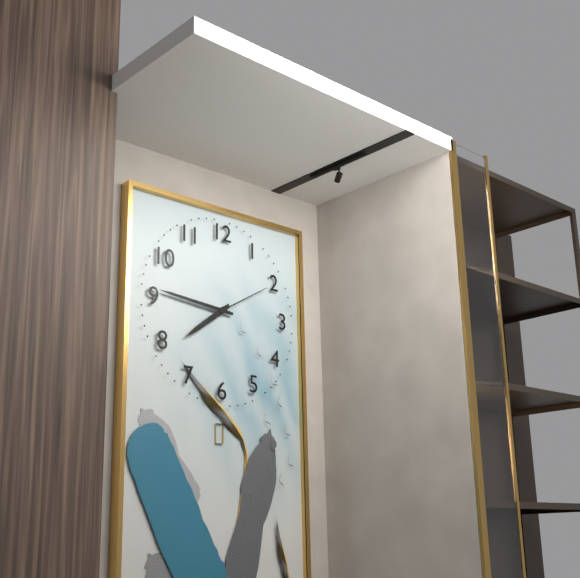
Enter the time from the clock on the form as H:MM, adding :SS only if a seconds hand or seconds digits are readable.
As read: 7:46:10
